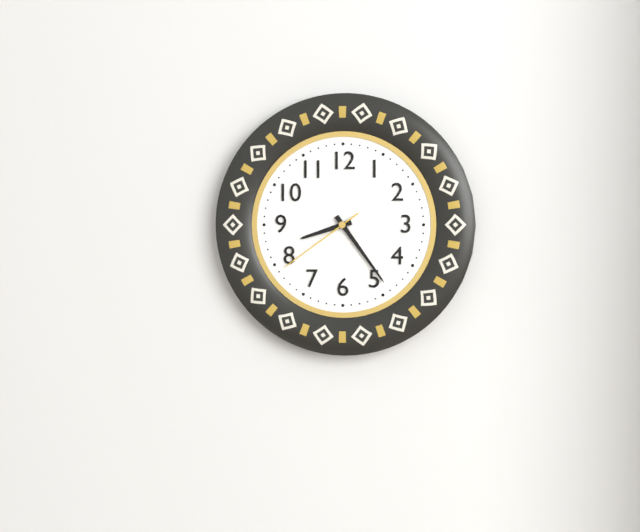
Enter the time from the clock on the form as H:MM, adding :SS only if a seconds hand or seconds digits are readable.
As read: 8:24:39
